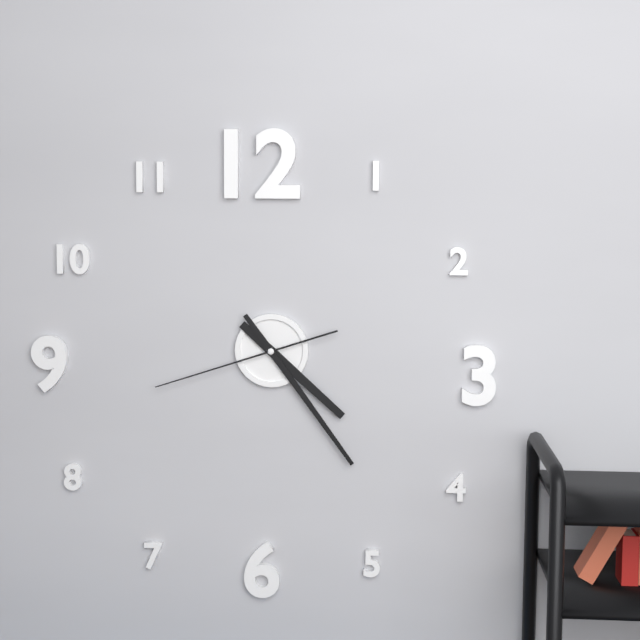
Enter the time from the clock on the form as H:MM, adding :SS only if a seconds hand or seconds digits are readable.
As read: 4:24:42
